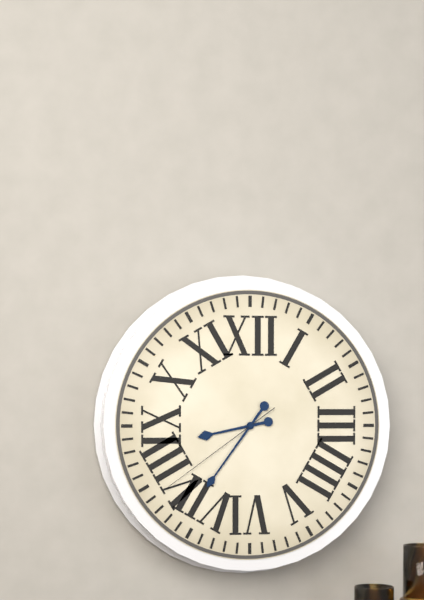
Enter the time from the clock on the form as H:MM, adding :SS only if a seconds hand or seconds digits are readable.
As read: 8:36:39
